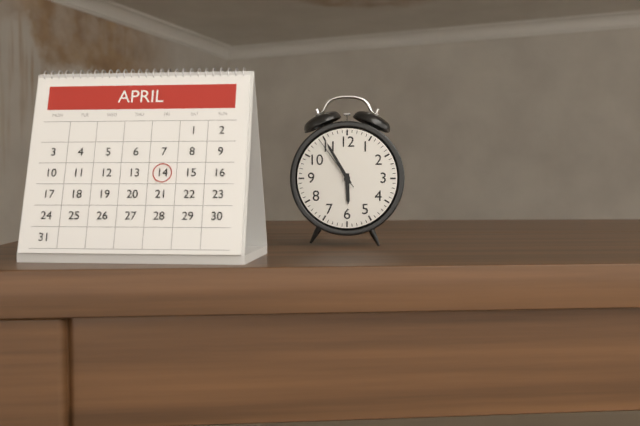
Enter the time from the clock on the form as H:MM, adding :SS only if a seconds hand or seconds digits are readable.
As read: 5:55:54
